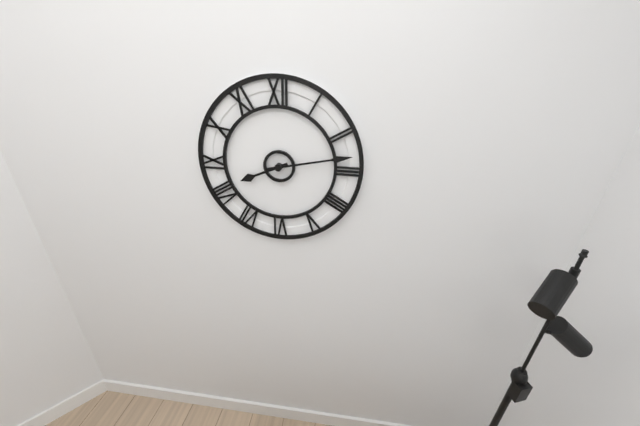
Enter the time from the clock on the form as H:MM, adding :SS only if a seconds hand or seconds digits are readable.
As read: 8:13
